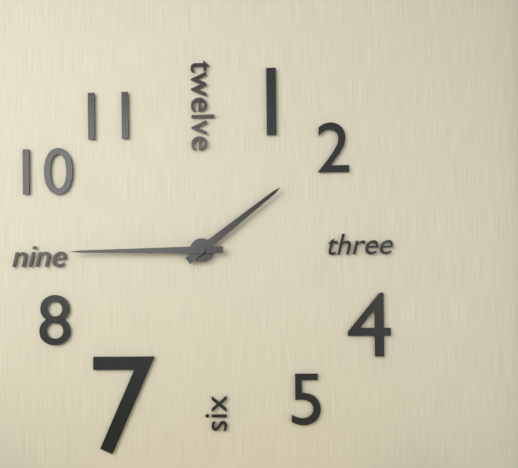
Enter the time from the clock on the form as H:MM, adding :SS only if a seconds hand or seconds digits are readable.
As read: 1:45
